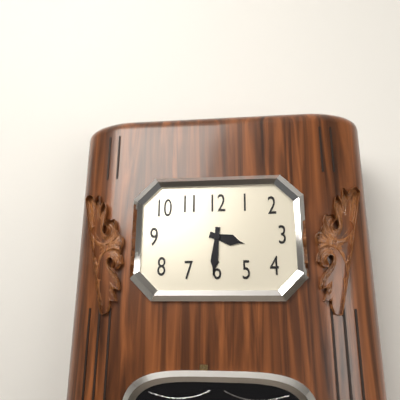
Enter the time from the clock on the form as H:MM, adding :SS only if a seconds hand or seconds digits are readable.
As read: 3:31
